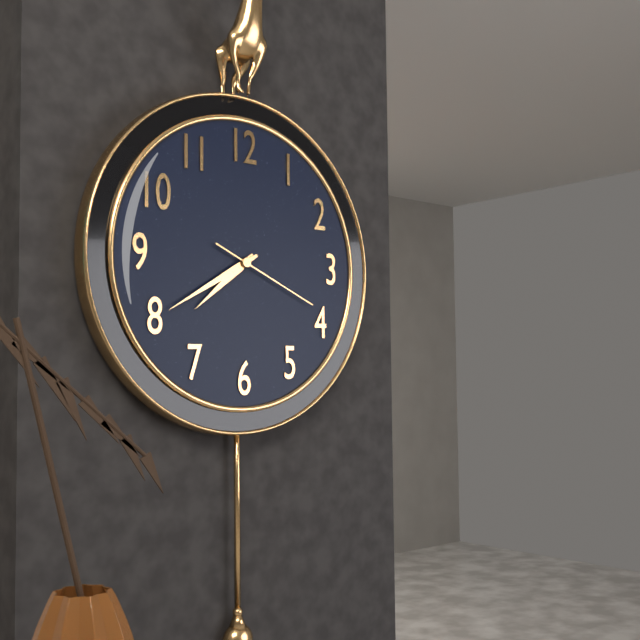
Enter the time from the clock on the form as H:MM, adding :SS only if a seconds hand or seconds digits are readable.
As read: 7:40:19
